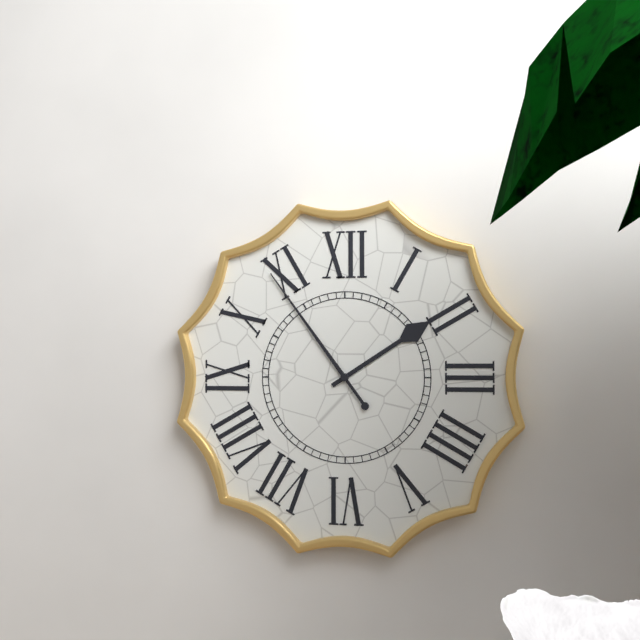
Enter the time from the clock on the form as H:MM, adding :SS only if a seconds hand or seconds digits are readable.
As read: 1:54
